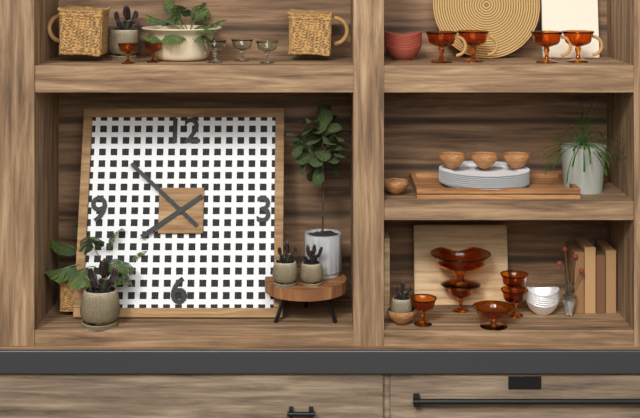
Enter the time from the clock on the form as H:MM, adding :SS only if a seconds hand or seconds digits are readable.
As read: 7:52
